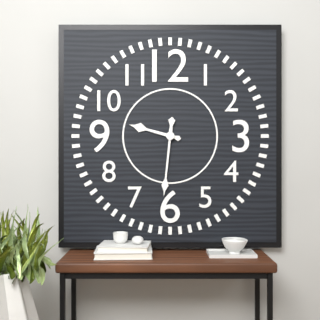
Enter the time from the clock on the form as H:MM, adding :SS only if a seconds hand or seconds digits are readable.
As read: 9:31
